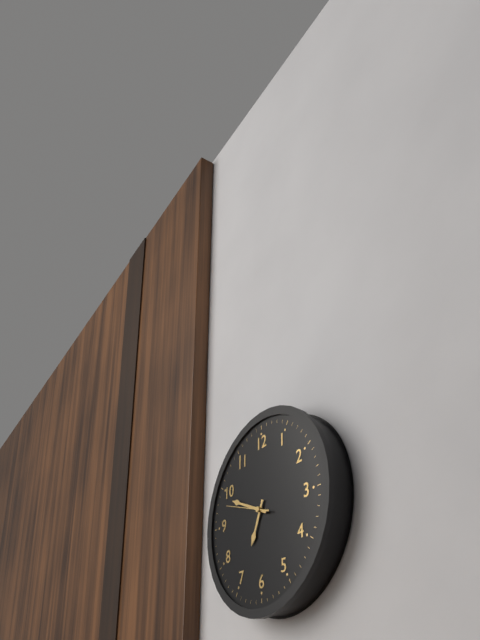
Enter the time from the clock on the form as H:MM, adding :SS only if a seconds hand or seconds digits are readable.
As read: 6:49
